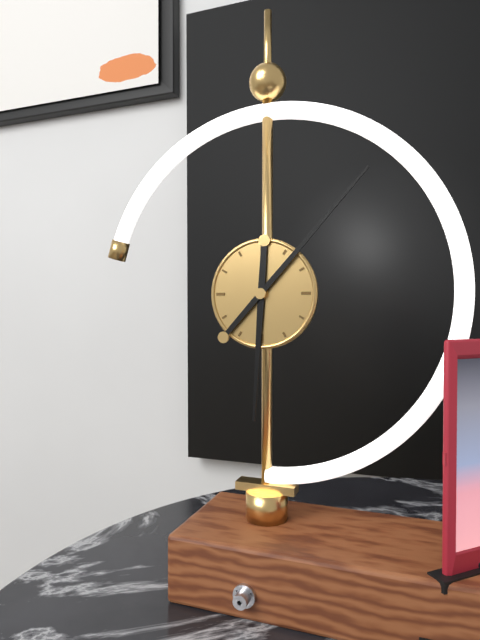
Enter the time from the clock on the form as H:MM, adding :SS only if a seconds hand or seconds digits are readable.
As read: 6:07
